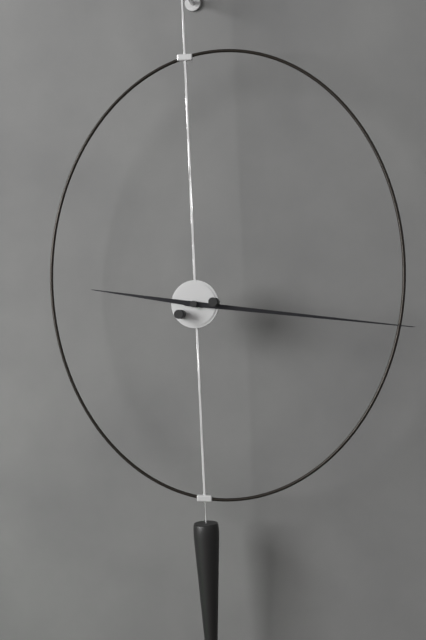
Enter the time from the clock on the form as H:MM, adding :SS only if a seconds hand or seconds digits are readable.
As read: 9:16
